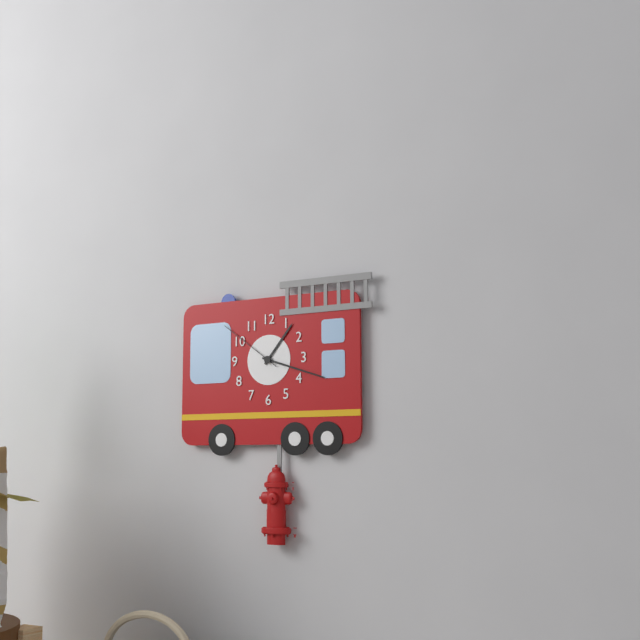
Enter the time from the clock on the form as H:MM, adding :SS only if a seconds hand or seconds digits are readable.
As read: 1:18:51
